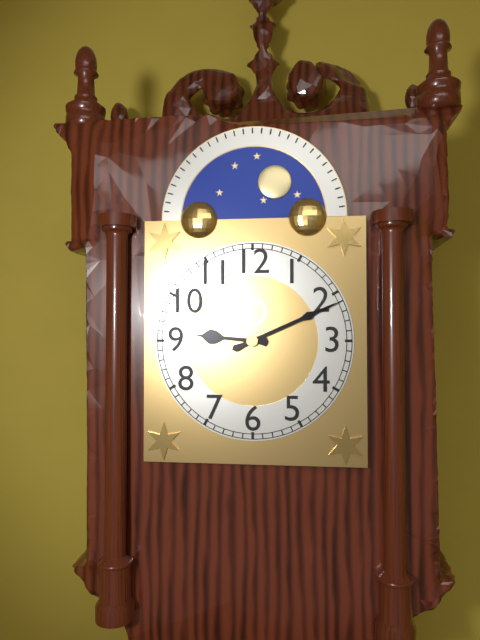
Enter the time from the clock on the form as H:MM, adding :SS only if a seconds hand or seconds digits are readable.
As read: 9:11
